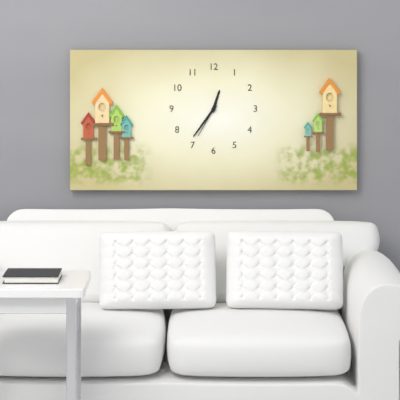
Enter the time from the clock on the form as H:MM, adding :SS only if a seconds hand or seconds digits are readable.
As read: 12:36
